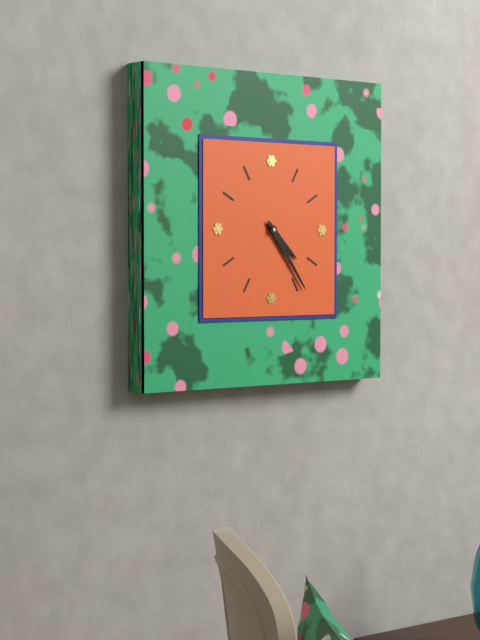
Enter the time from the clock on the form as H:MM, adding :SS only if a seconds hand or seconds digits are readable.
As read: 4:24
